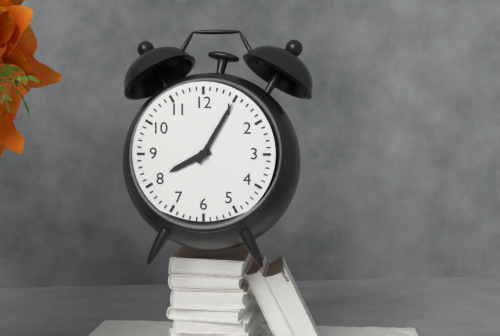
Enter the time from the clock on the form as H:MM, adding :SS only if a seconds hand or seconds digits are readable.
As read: 8:05
